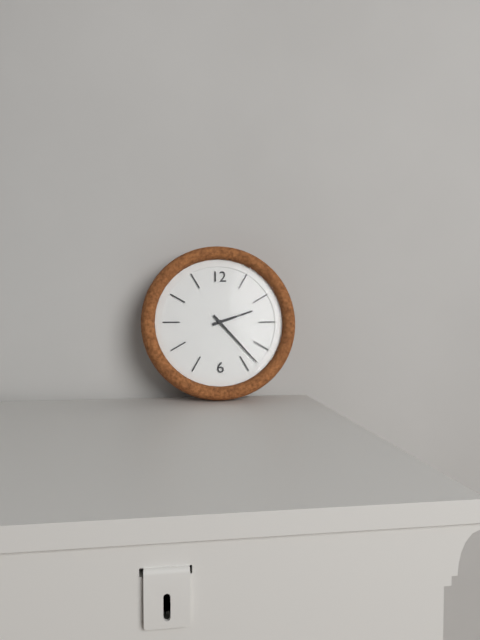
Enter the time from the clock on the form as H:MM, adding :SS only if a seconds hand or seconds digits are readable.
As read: 2:23
